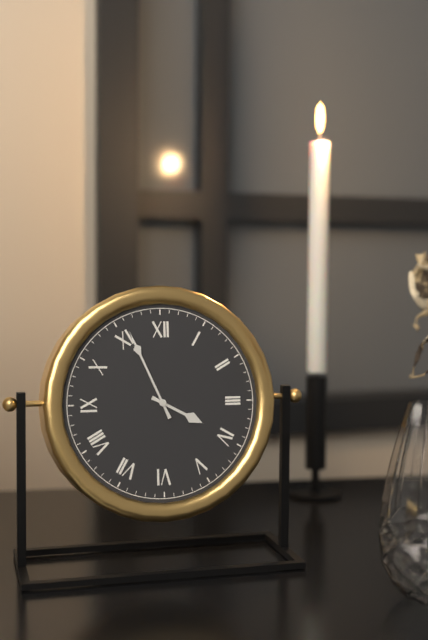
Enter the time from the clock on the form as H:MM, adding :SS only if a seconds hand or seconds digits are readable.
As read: 3:56
